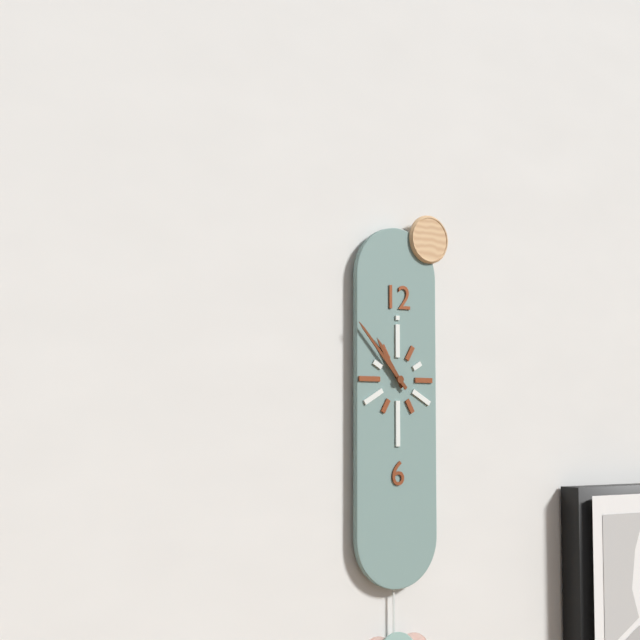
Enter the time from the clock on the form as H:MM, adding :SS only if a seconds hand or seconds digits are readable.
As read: 10:53
